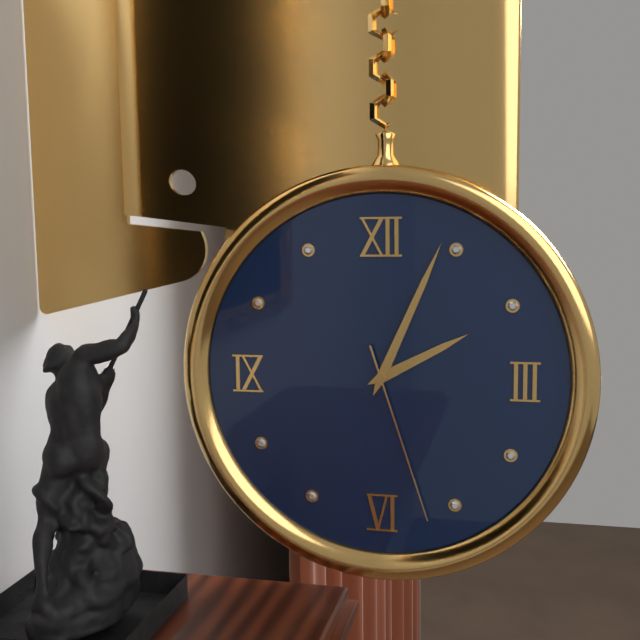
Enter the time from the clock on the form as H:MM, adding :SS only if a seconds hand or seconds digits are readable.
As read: 2:04:27
